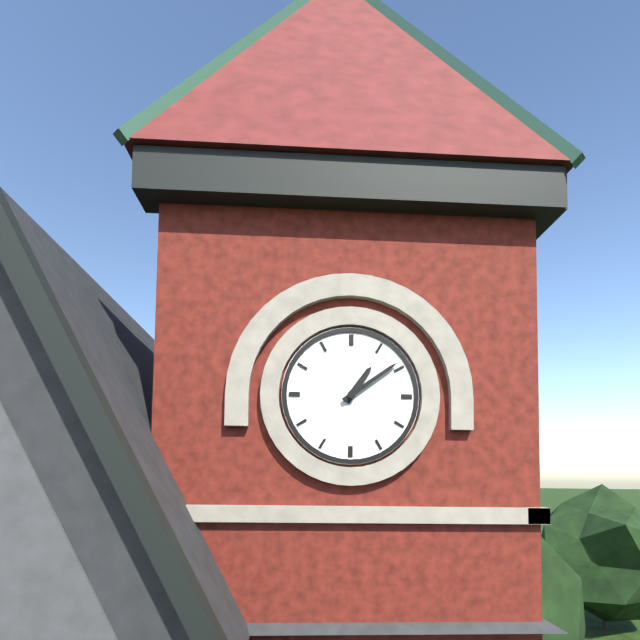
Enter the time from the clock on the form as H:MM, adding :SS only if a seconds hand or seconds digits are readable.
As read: 1:09
